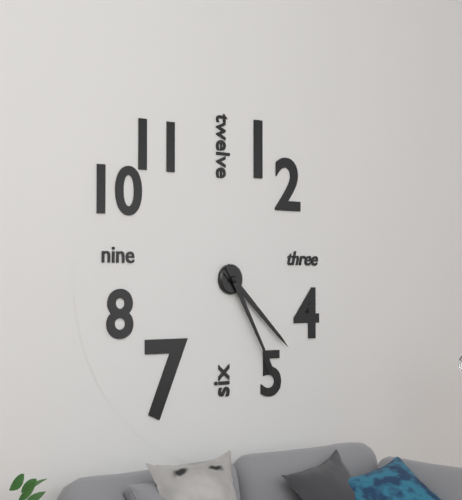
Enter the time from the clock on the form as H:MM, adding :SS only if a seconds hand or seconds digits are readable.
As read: 4:25
